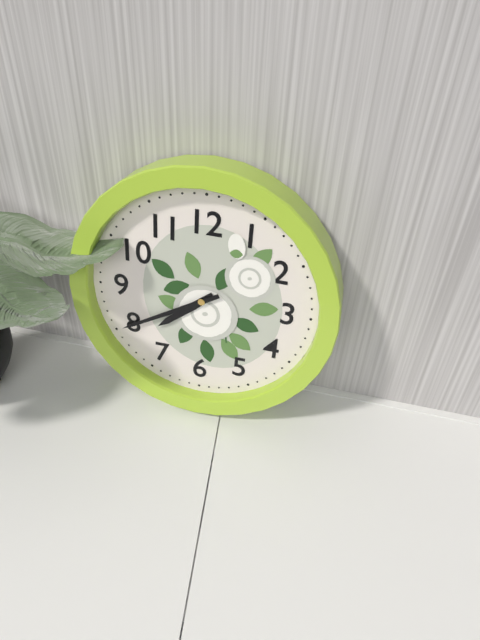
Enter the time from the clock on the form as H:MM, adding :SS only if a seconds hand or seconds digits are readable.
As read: 7:40
